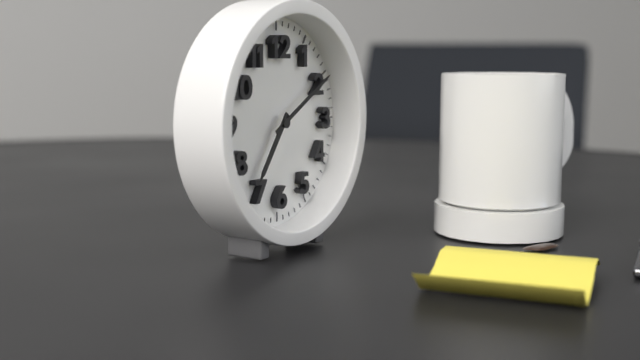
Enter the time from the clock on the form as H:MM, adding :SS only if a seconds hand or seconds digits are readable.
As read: 7:10
